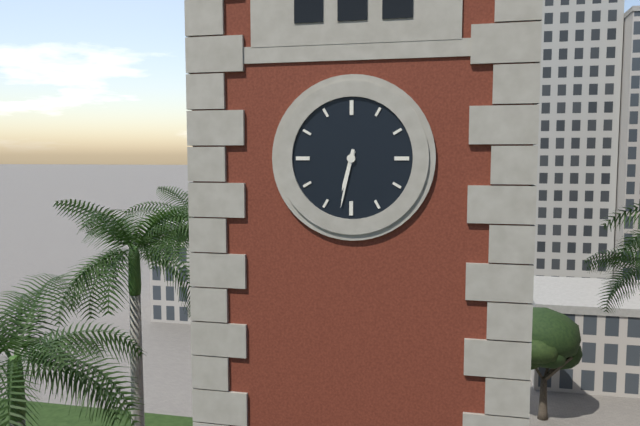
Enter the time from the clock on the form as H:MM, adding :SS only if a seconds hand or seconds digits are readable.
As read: 6:32
